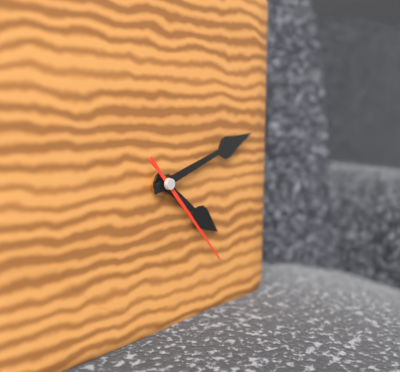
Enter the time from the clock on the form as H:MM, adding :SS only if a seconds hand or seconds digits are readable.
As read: 4:12:23
